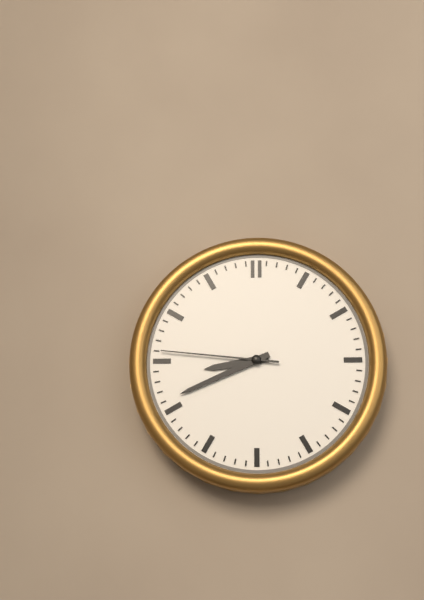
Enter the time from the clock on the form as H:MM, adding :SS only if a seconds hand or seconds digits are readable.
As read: 8:41:46
